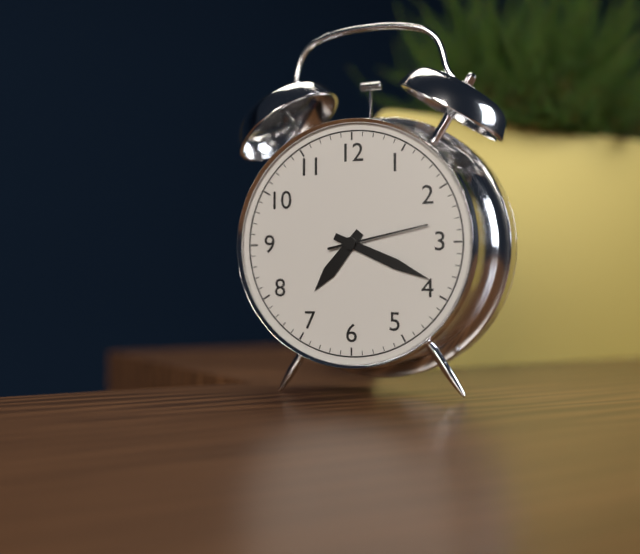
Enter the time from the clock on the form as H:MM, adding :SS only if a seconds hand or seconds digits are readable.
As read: 7:19:13
